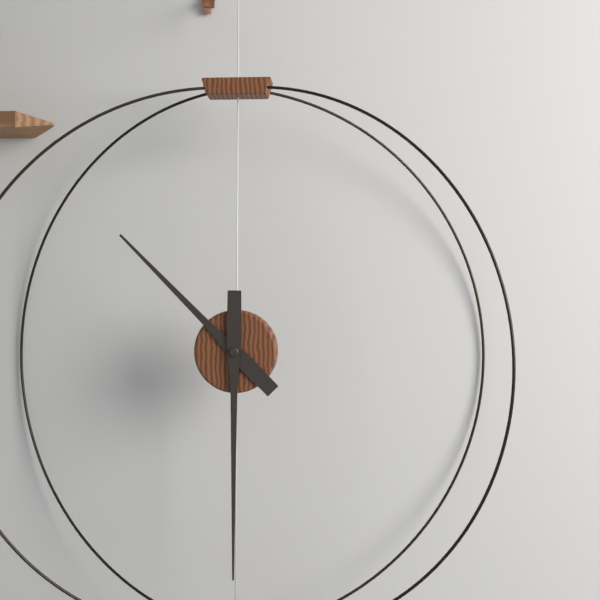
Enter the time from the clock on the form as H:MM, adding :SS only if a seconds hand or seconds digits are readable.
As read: 10:30
